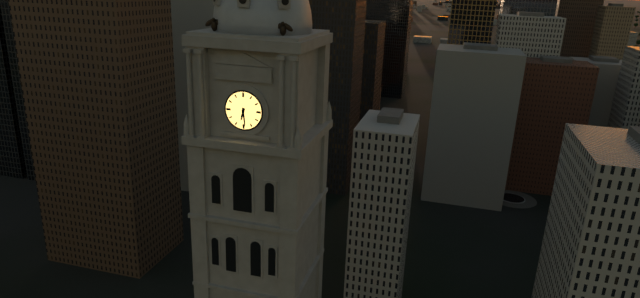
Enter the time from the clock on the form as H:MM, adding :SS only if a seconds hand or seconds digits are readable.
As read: 6:29
